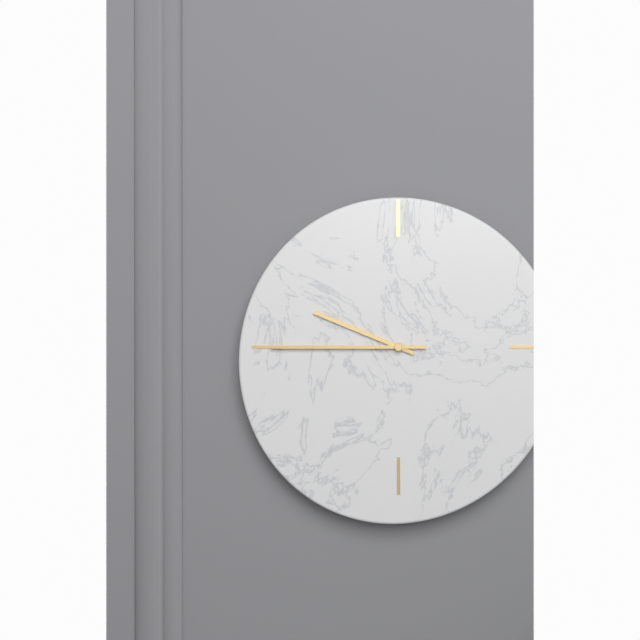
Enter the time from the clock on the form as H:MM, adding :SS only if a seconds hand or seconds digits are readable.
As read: 9:45
